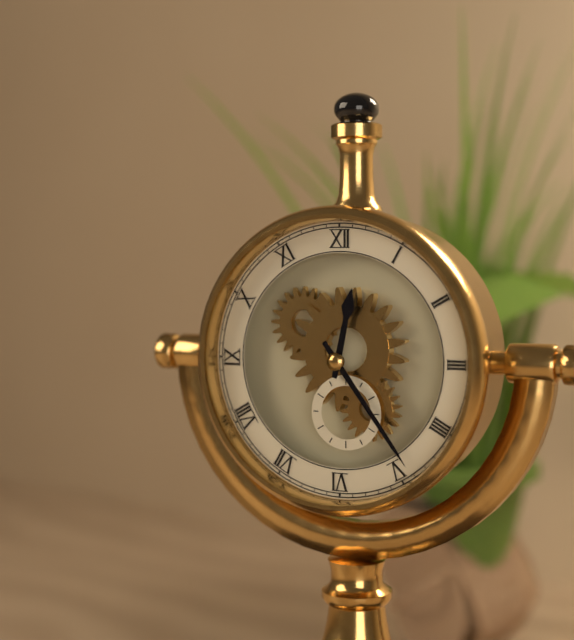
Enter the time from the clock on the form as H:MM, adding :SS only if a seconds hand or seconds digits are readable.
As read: 12:24
